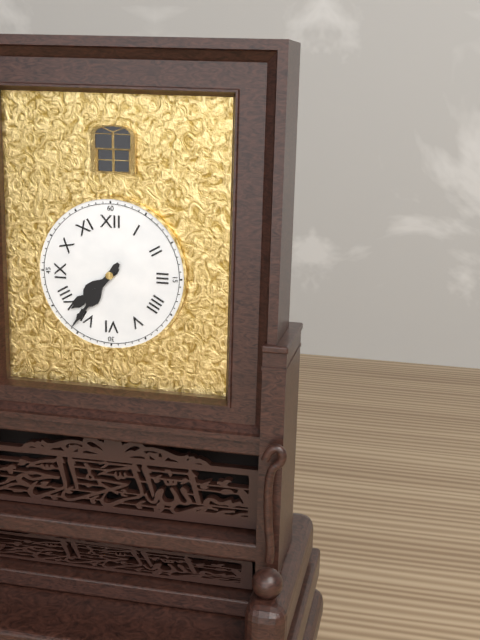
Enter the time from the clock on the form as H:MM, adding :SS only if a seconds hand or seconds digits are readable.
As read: 7:36
